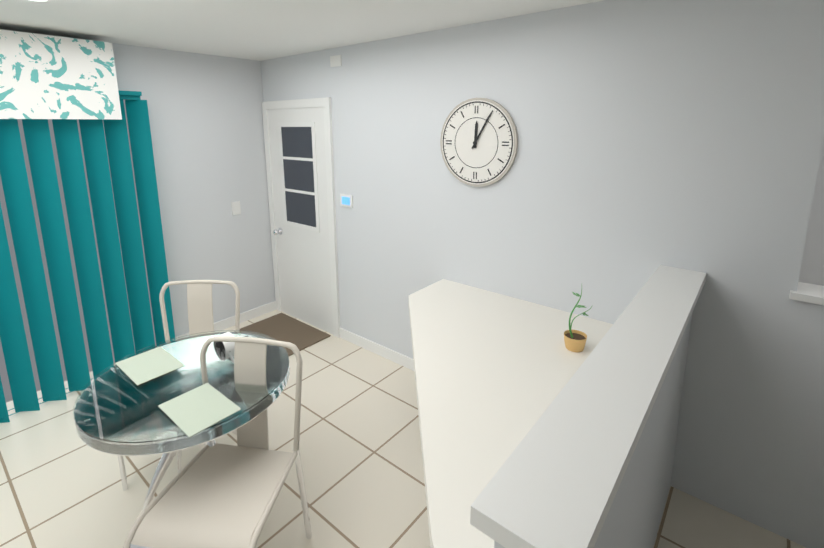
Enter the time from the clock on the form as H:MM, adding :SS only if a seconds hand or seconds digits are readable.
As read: 12:05
